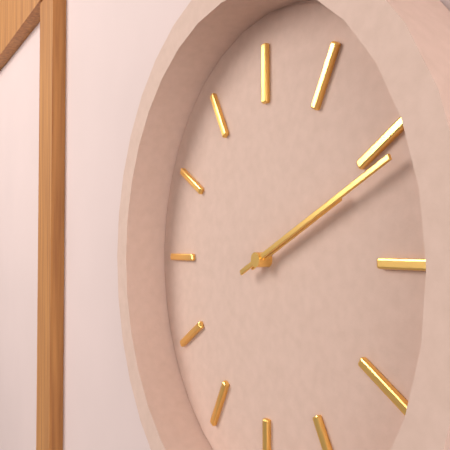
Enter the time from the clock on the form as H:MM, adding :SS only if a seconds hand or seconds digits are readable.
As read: 2:11
